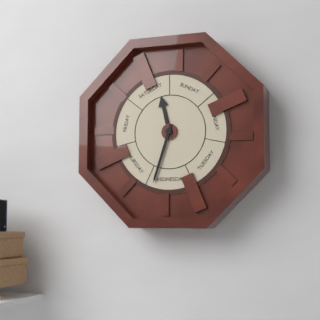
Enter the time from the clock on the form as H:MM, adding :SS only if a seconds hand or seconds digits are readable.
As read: 11:33
